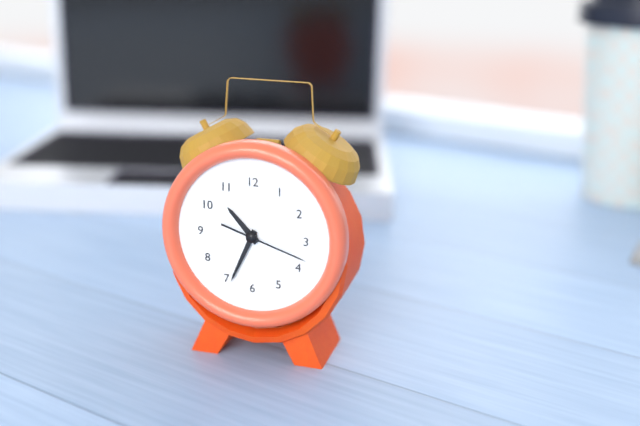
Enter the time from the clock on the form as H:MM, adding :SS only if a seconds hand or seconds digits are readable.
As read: 10:34:18
